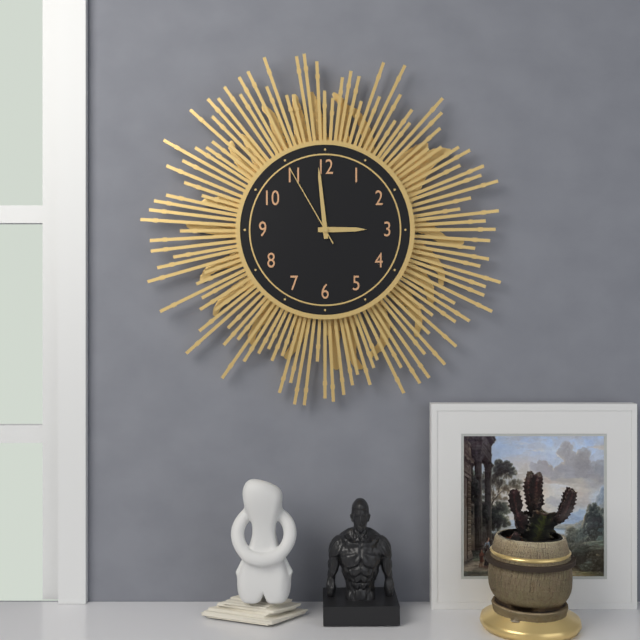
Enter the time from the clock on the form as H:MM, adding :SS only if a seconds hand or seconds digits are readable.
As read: 2:59:55
